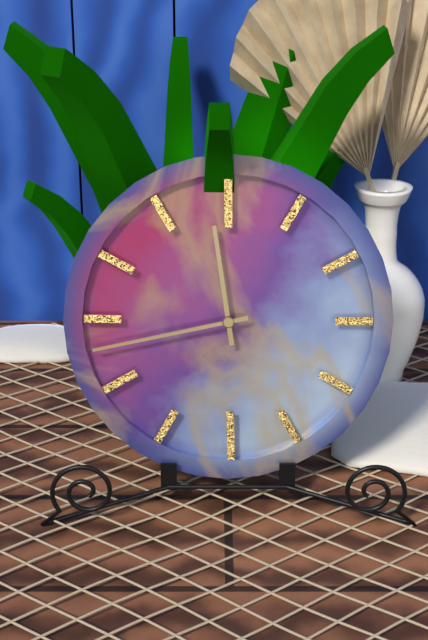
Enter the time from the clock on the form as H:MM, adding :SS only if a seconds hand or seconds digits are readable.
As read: 11:43
